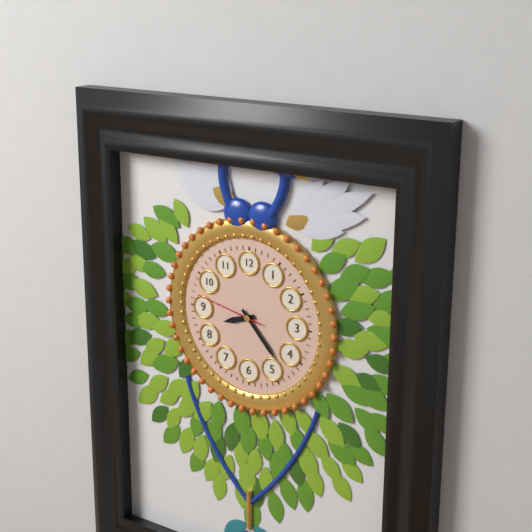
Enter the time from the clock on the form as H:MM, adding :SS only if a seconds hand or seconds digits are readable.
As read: 8:23:47
